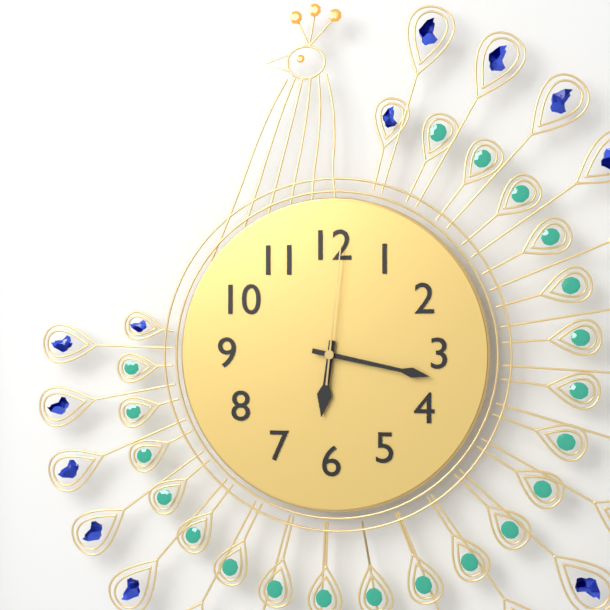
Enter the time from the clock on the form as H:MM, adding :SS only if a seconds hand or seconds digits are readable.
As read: 6:17:01
